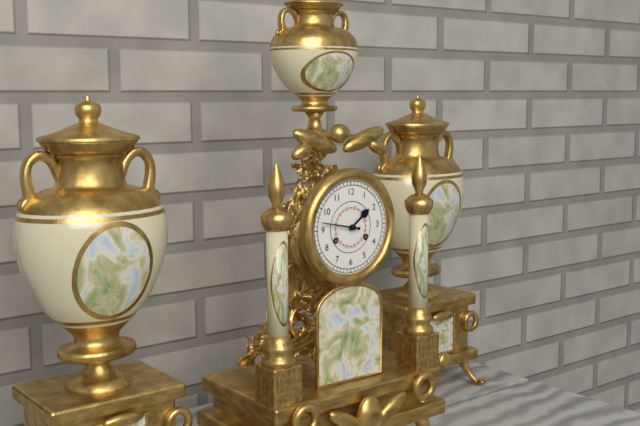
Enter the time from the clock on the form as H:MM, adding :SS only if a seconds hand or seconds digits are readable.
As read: 1:47
